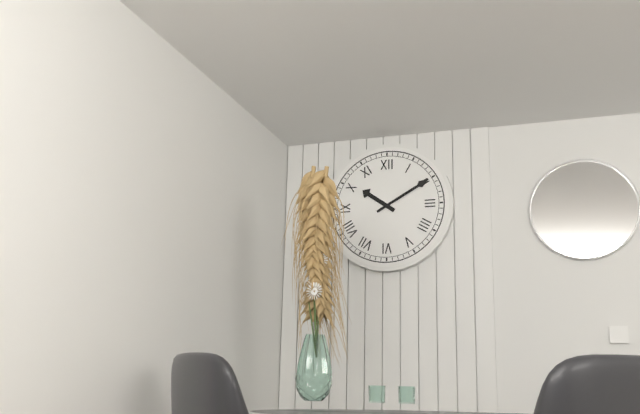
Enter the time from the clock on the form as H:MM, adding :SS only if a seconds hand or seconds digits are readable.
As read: 10:10
